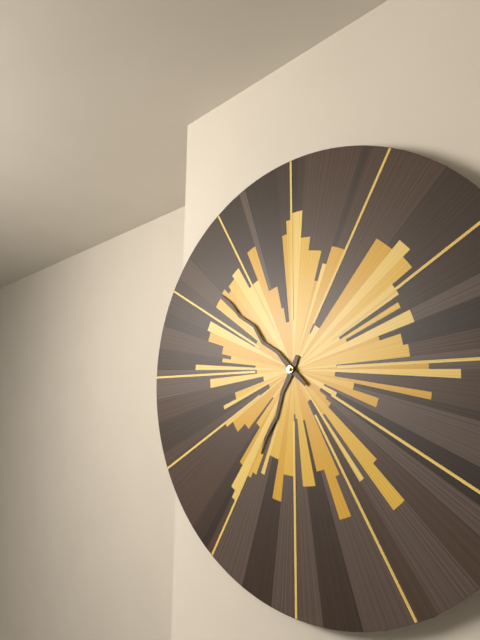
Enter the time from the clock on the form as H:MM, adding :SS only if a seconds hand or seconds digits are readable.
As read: 6:52
